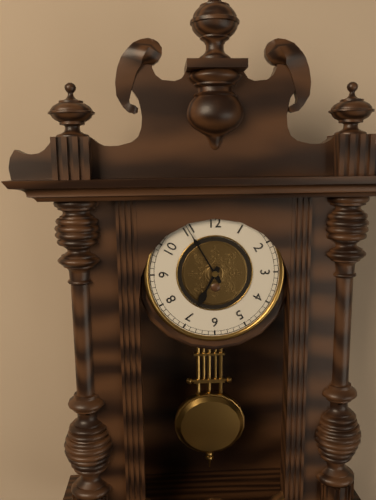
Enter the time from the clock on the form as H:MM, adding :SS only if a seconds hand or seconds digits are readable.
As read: 6:55
